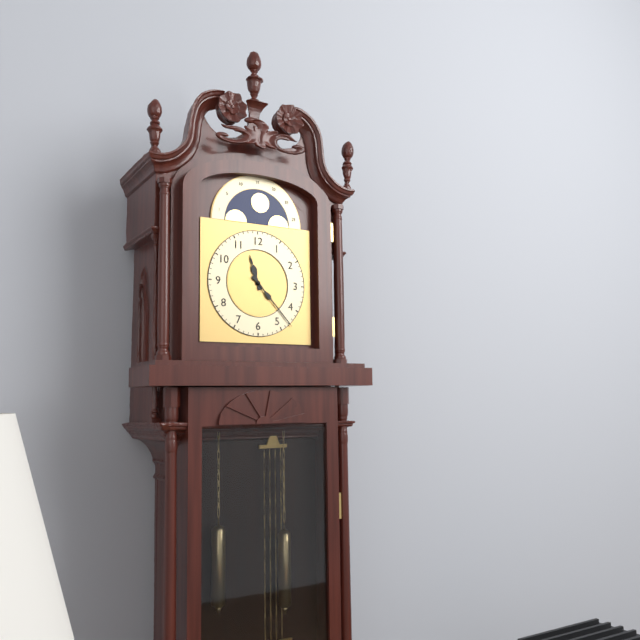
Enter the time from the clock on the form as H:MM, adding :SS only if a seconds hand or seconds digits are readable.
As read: 11:23
